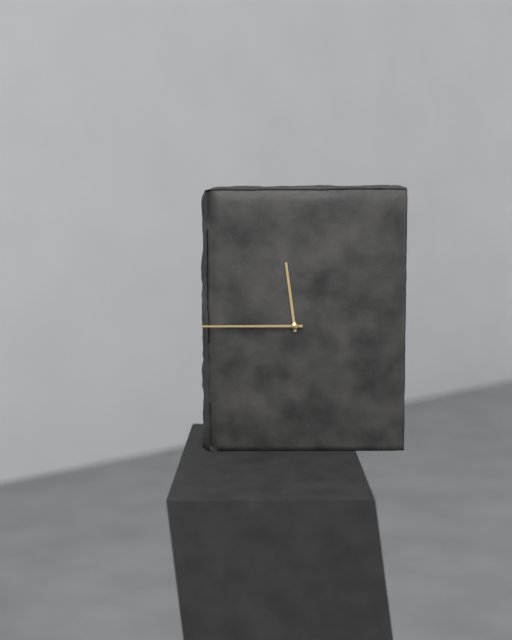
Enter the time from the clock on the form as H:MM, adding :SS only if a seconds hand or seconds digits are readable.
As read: 11:45
